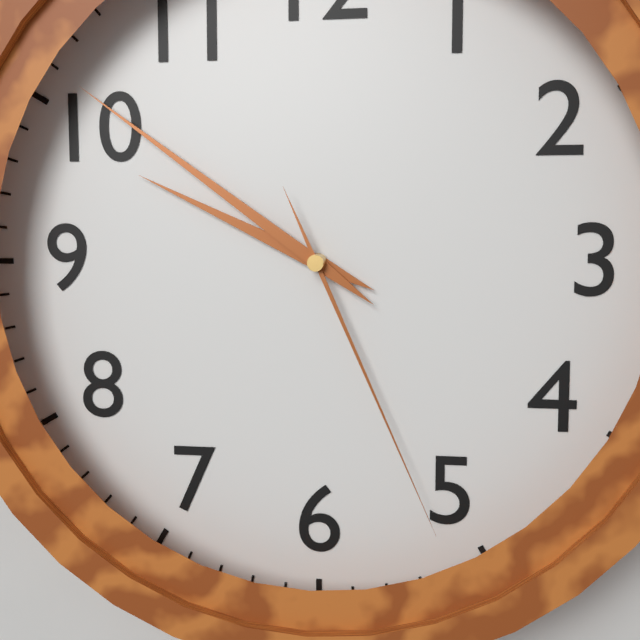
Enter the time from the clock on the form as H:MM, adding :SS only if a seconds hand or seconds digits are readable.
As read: 9:51:26
